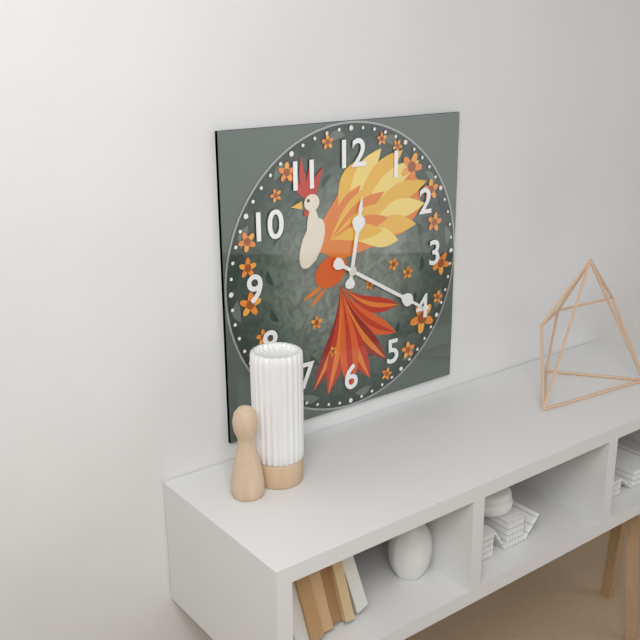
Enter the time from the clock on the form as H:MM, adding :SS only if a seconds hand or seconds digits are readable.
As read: 12:20
